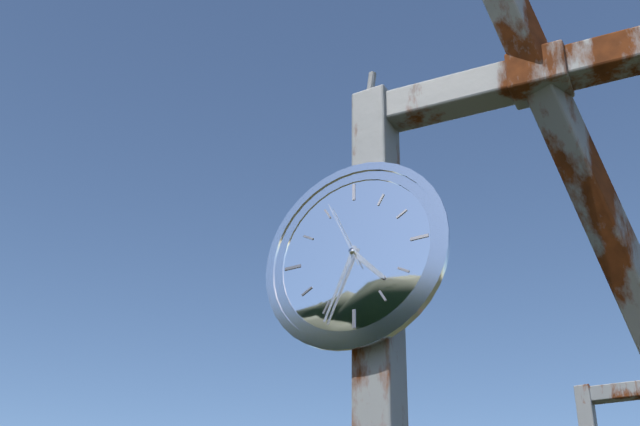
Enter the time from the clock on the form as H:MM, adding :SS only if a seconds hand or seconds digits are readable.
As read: 4:34:56
